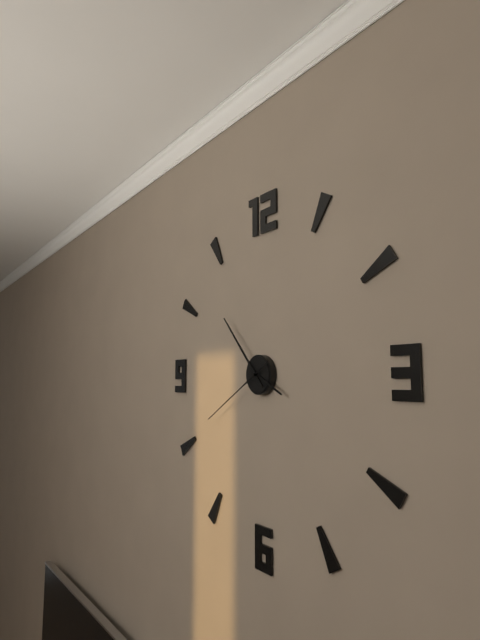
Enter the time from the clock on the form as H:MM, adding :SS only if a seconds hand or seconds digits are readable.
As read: 3:53:40
